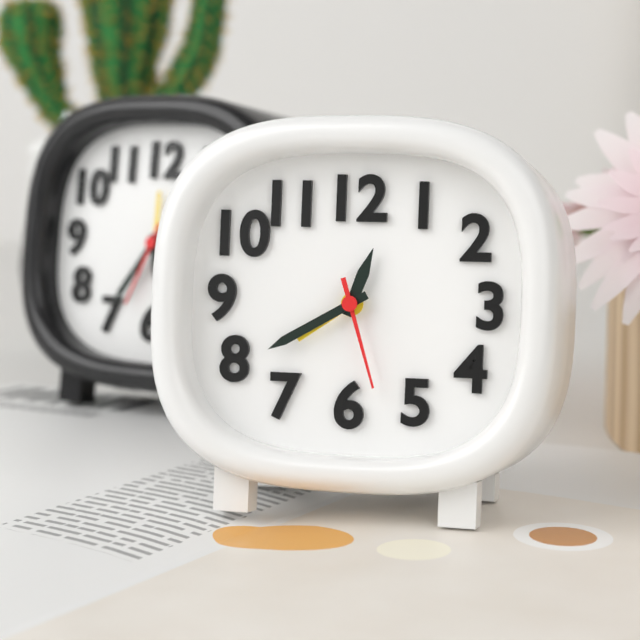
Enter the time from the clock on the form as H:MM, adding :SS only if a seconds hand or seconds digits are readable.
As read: 12:40:27
